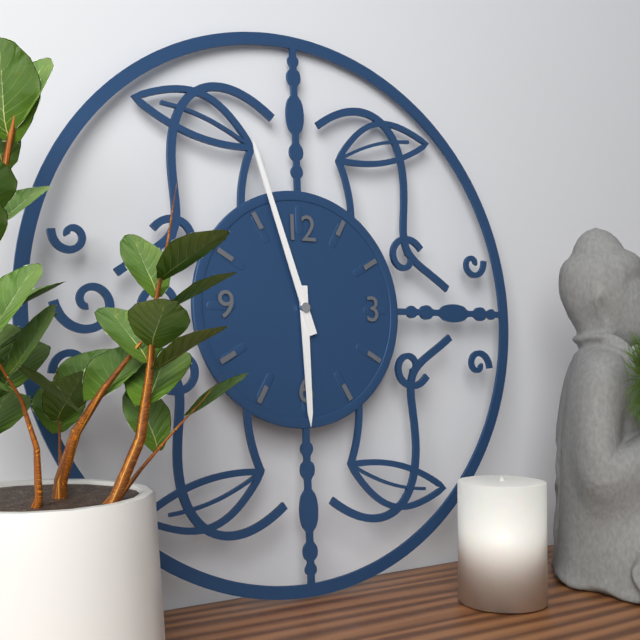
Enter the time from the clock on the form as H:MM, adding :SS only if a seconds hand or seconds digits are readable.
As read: 5:57
